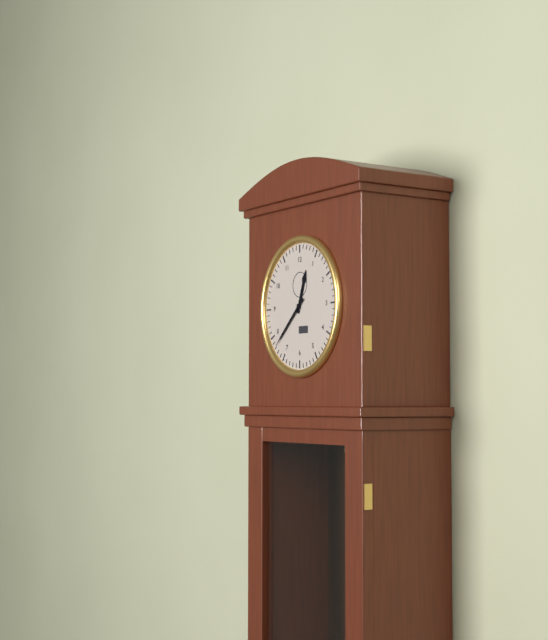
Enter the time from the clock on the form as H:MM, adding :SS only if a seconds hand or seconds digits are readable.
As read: 12:38
